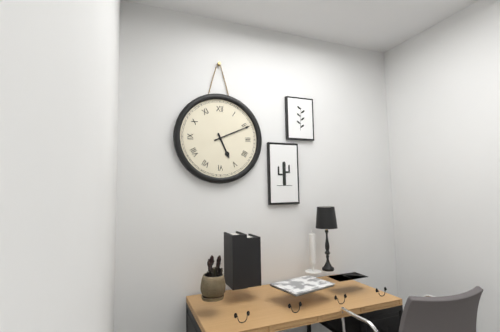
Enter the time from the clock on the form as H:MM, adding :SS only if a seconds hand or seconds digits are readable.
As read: 5:11
